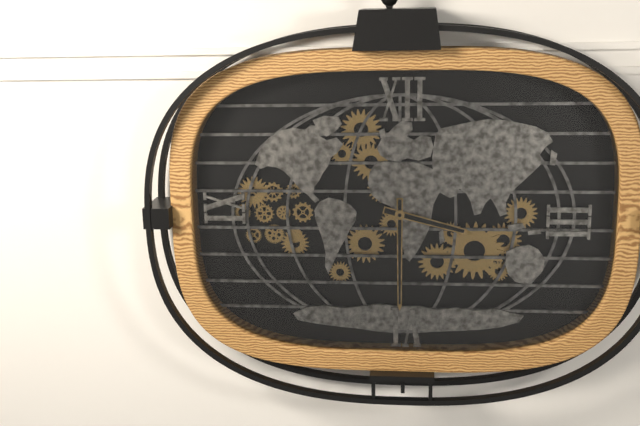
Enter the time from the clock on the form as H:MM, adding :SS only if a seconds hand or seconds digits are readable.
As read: 3:30
